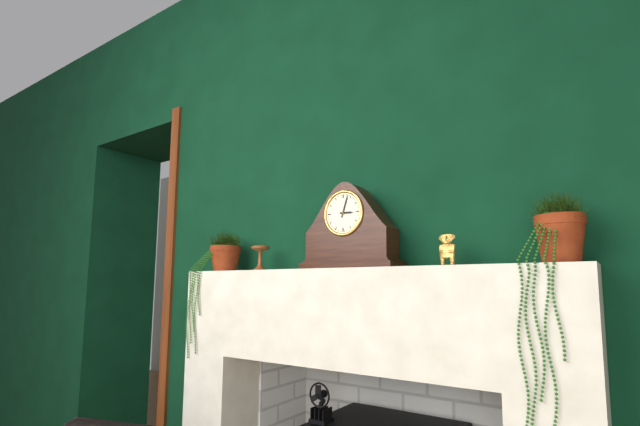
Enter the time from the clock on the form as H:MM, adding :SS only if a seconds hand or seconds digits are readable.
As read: 3:03
